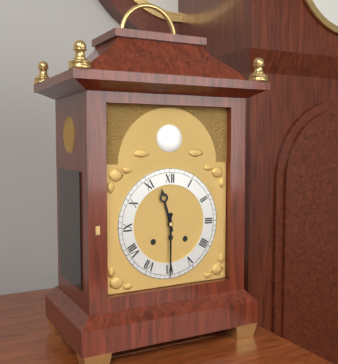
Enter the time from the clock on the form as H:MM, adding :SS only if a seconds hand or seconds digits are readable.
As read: 11:30
